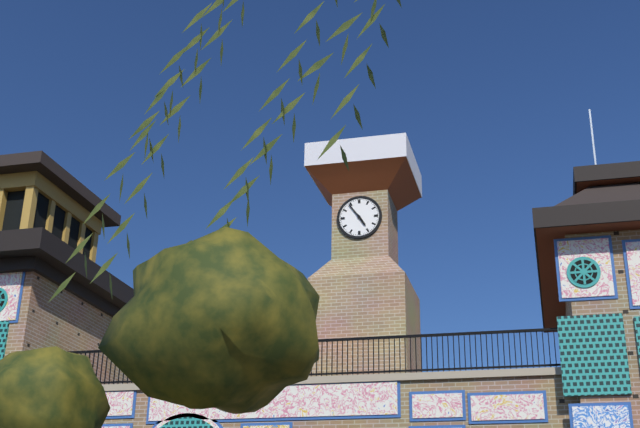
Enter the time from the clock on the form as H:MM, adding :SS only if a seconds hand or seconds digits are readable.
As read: 4:54
